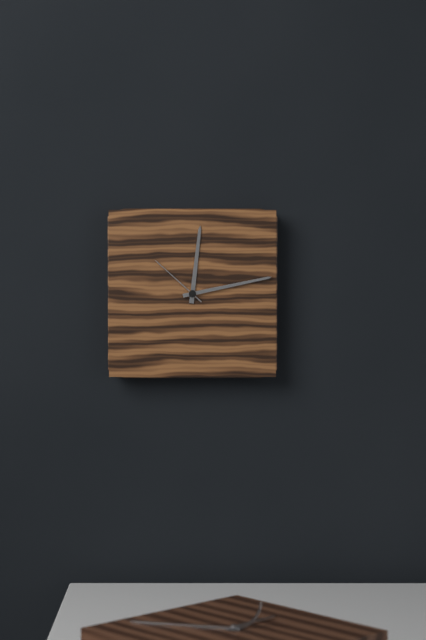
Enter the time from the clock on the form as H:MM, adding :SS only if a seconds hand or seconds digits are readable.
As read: 12:13:52
